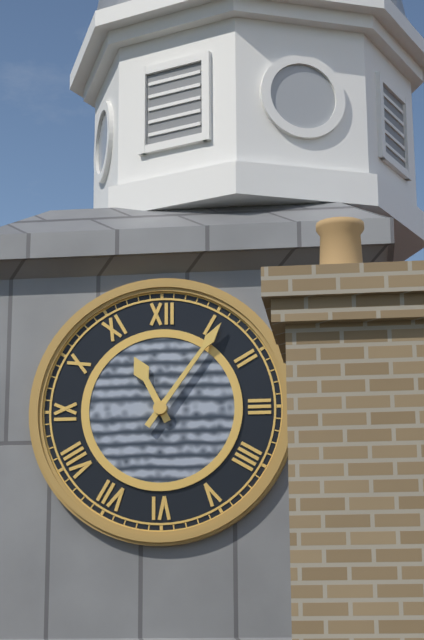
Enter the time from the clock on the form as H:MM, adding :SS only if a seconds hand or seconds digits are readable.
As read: 11:06
